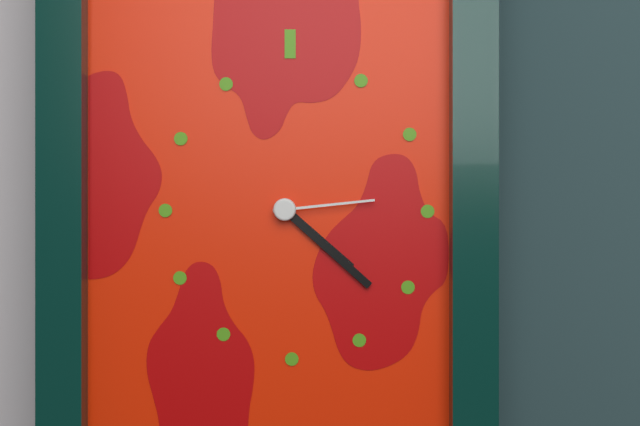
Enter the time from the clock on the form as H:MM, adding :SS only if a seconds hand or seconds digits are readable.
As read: 4:22:14
